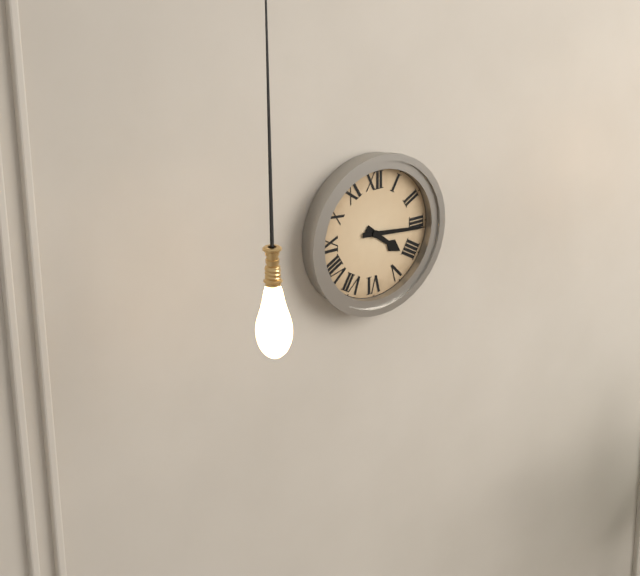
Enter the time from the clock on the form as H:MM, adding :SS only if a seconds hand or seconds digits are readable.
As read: 4:16
